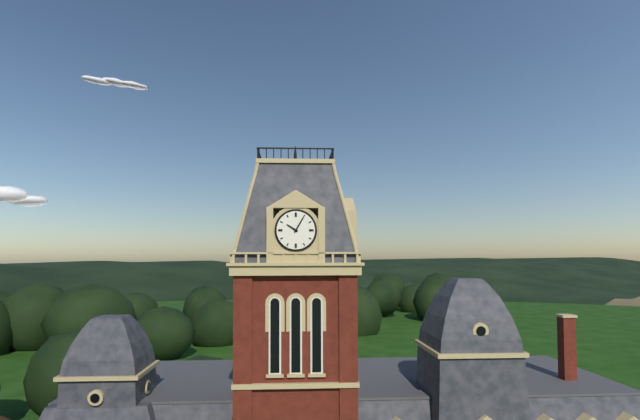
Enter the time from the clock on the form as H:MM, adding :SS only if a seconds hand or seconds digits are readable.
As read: 10:05
